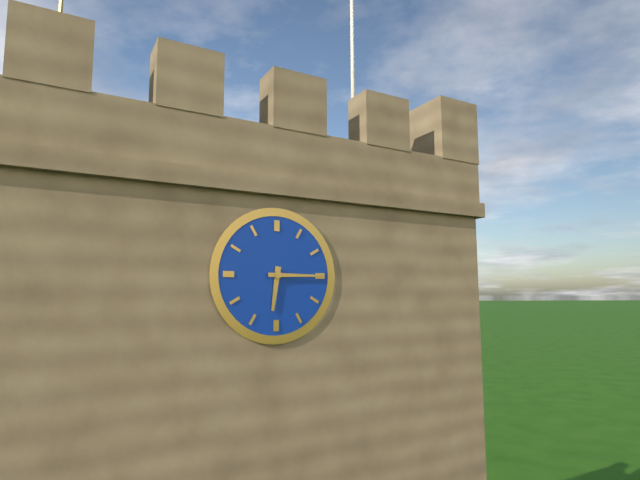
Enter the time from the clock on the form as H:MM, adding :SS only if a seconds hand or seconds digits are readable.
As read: 6:15
